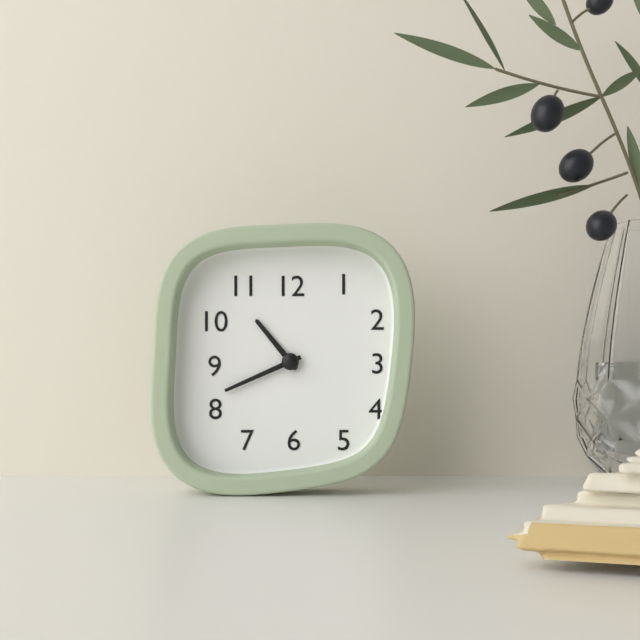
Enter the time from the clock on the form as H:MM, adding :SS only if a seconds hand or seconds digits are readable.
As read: 10:41
